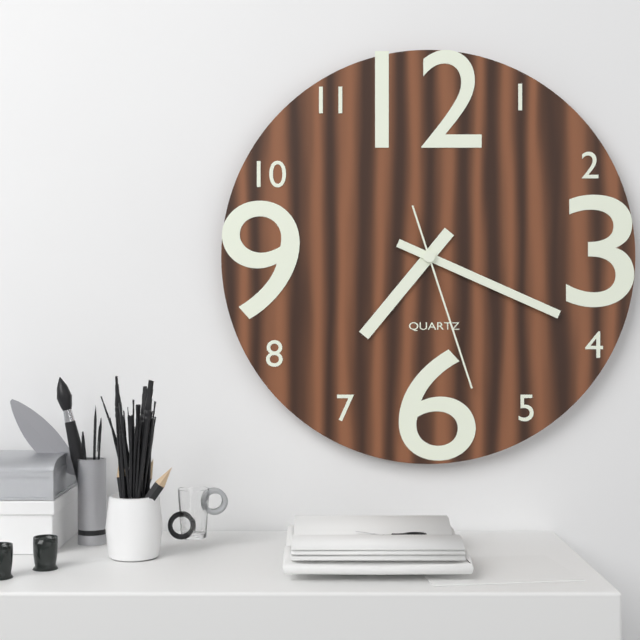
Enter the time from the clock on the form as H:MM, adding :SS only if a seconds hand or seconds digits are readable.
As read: 7:19:27
